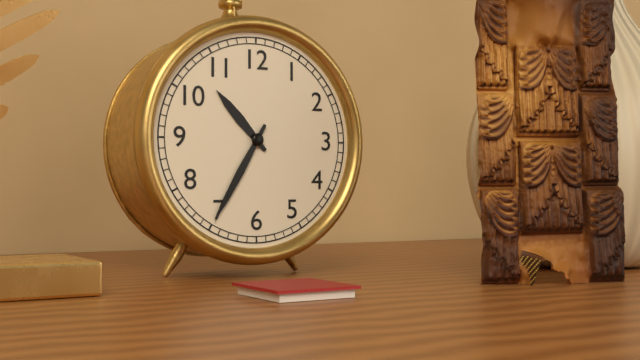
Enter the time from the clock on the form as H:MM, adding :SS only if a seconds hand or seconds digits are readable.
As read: 10:35
